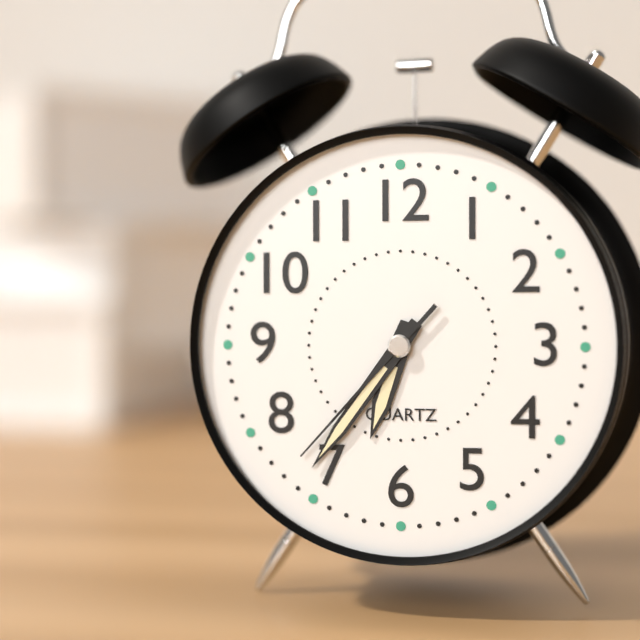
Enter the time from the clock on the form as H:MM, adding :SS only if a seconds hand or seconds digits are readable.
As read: 6:36:37
